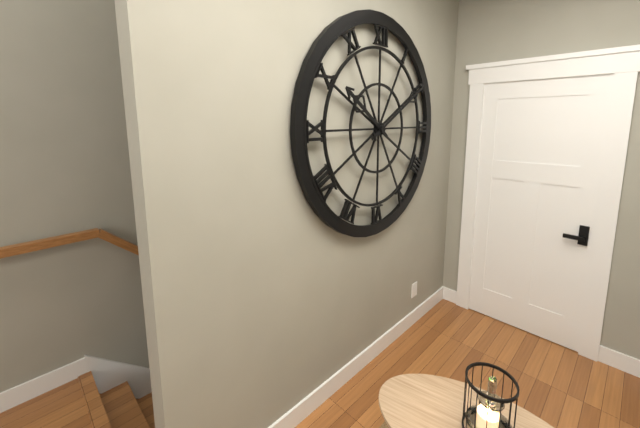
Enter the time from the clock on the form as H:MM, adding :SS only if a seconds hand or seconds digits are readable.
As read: 10:10
